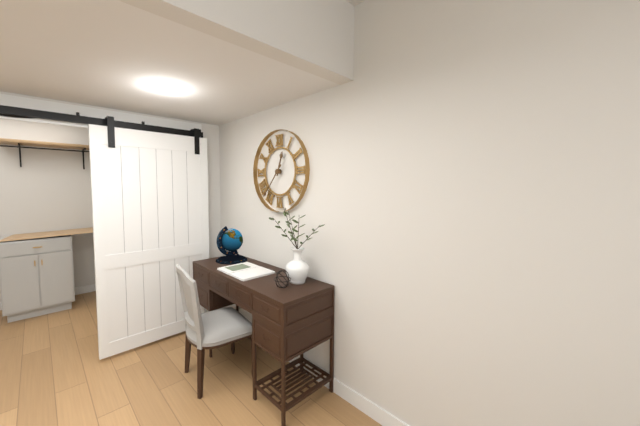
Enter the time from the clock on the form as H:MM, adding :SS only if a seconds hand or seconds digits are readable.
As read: 12:37
